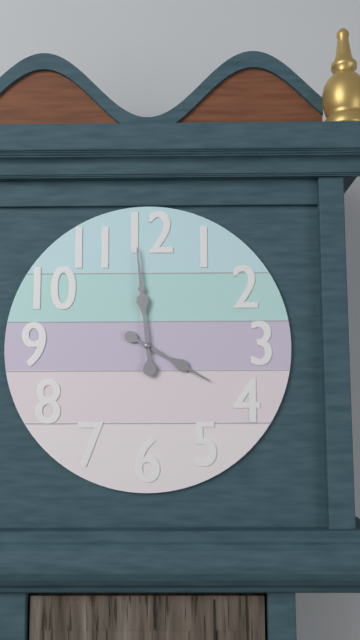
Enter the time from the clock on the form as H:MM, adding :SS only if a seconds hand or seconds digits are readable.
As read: 3:59
